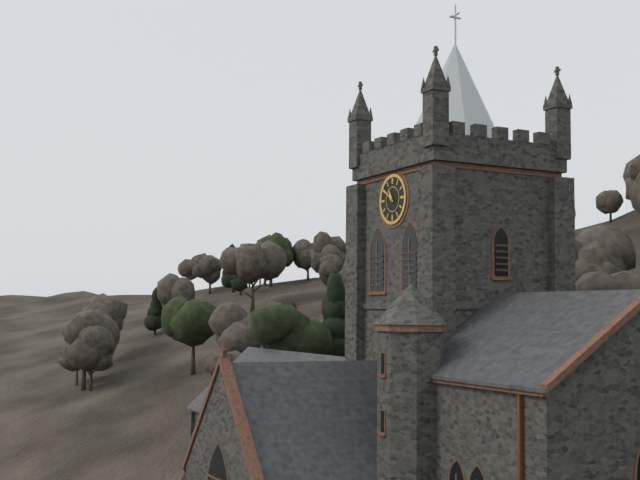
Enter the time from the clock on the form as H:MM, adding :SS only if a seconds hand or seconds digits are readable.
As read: 10:51
